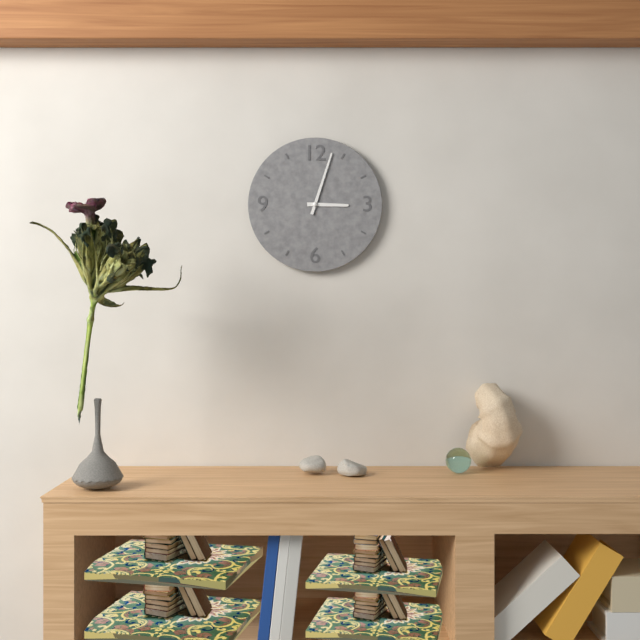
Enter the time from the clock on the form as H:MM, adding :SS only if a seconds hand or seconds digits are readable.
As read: 3:03
